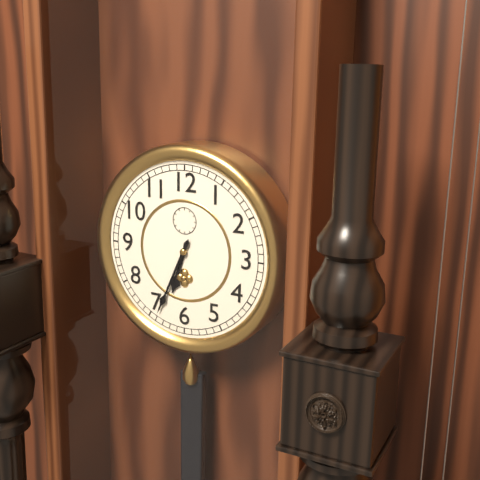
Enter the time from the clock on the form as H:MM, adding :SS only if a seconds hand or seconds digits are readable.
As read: 6:34
